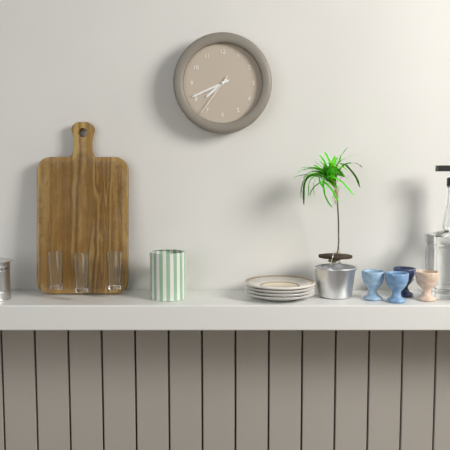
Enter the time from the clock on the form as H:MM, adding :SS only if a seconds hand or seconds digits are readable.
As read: 7:41
